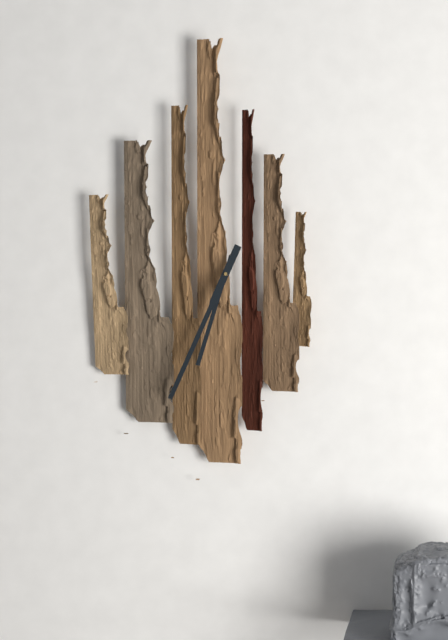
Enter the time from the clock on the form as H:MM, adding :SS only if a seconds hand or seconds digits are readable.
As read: 6:34
